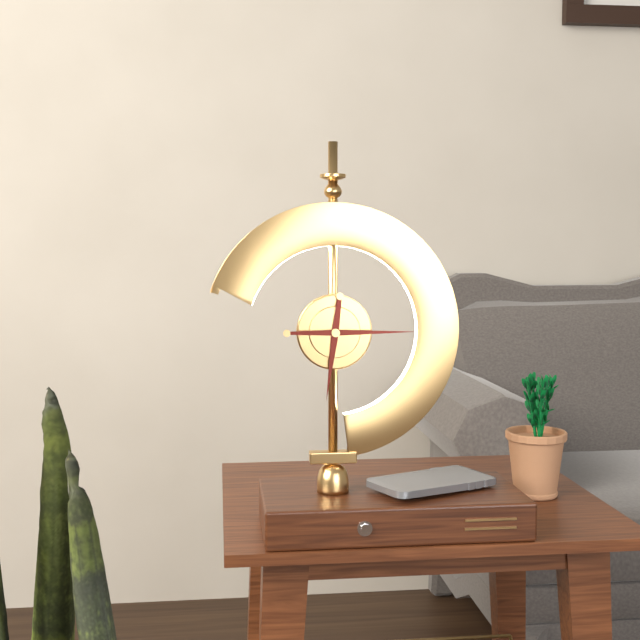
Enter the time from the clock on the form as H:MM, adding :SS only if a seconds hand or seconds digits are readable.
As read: 6:15
